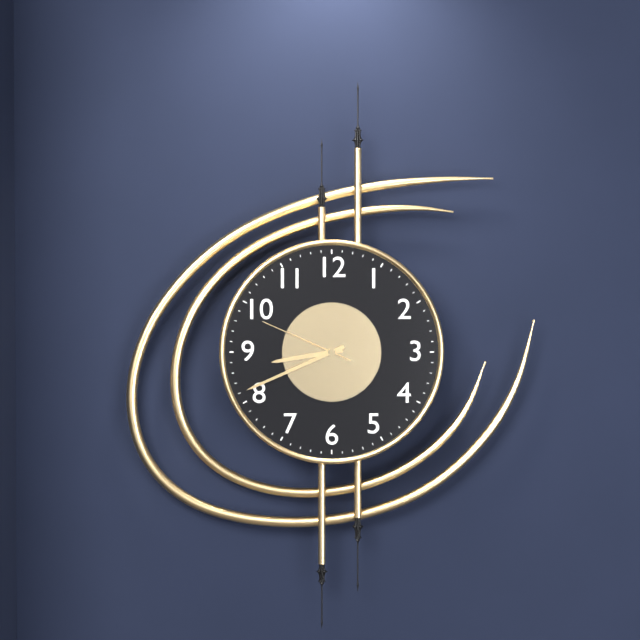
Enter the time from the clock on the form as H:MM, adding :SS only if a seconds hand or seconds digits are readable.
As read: 8:41:49
